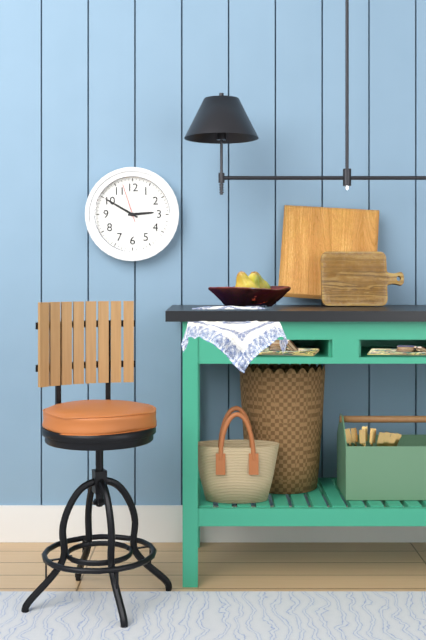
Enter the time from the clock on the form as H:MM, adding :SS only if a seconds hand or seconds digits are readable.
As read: 2:50
